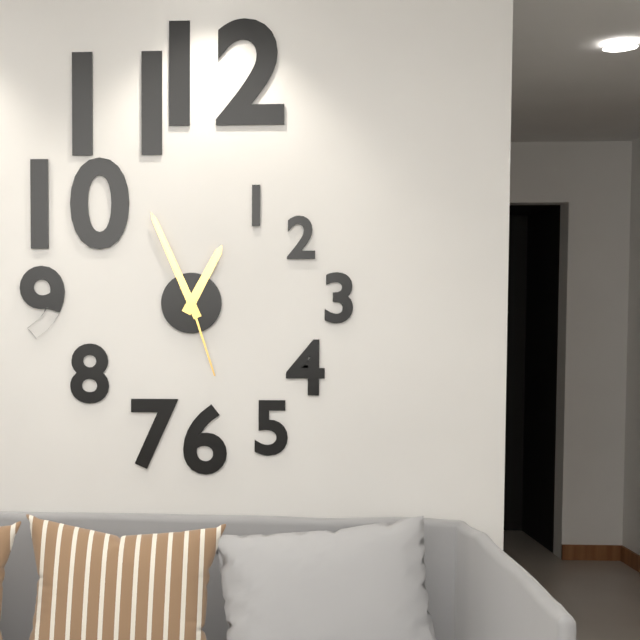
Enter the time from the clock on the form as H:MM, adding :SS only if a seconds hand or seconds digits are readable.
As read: 12:56:27
